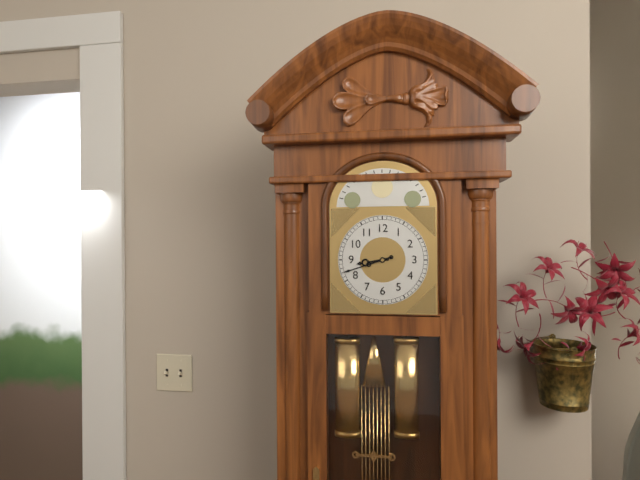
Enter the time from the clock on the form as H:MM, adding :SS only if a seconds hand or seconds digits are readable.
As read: 8:42
